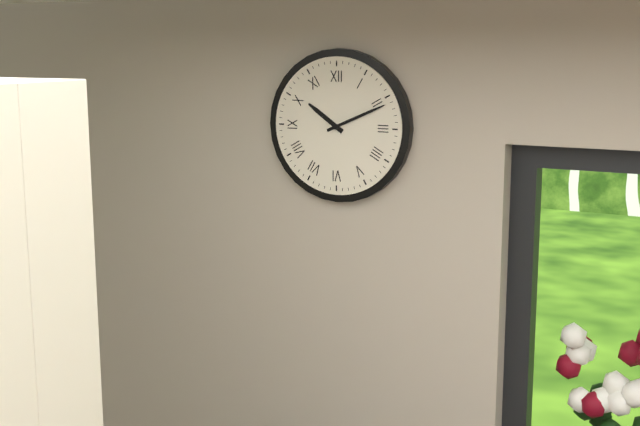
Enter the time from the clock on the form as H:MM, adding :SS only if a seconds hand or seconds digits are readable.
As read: 10:11
